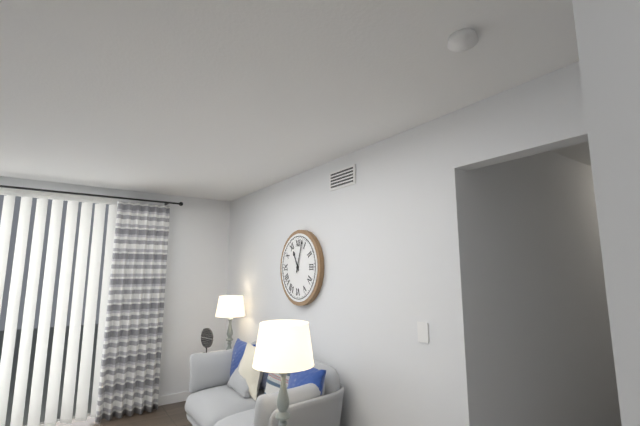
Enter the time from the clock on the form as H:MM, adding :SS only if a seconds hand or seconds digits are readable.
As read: 11:03
